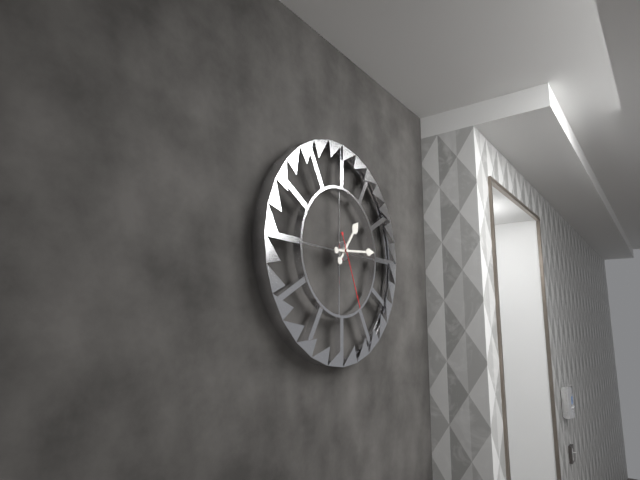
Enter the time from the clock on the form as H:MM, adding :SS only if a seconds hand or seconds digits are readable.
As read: 1:14:26
